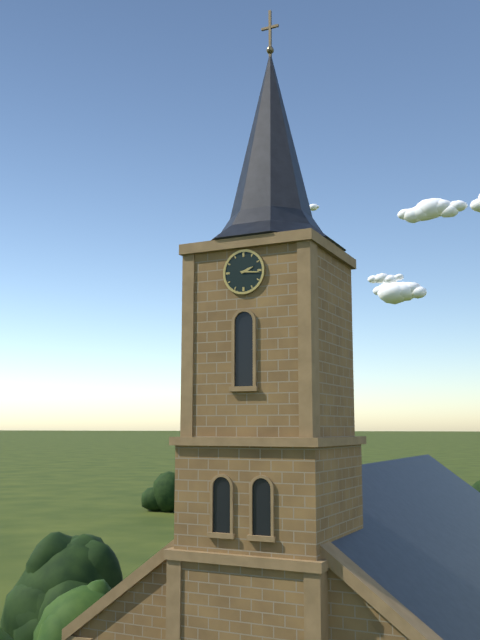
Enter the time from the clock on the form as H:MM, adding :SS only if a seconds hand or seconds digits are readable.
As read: 2:16
